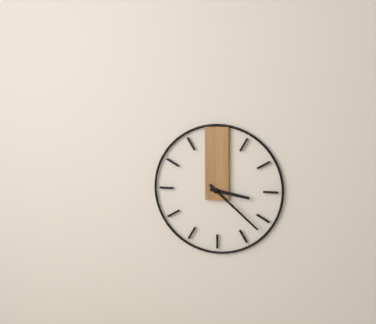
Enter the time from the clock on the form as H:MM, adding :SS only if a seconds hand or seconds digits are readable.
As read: 3:22
